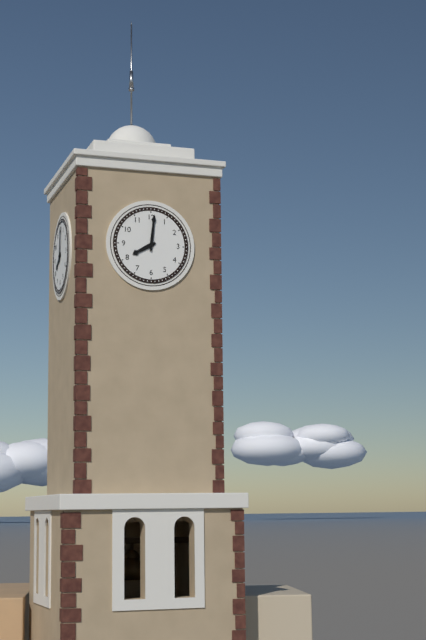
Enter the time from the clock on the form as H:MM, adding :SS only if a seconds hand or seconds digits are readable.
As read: 8:01
